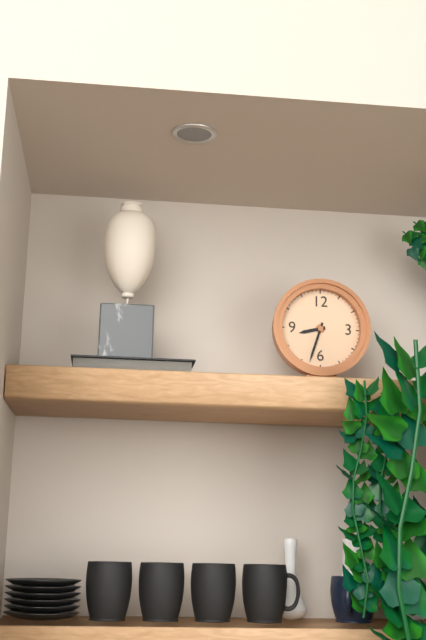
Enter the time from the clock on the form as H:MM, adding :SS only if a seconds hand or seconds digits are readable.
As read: 8:33
